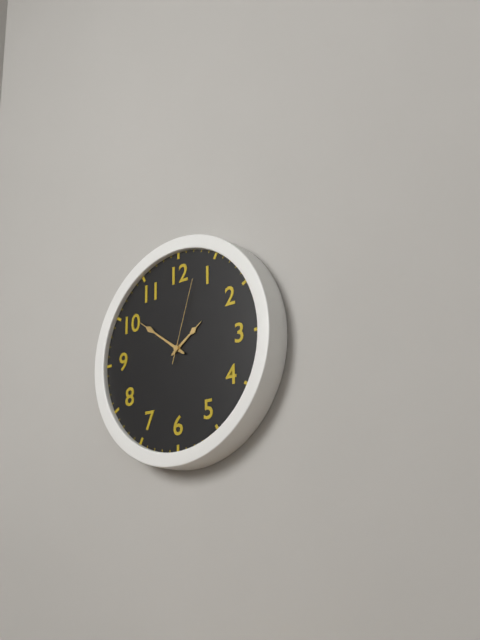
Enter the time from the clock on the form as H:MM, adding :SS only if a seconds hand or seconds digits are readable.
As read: 1:51:03
